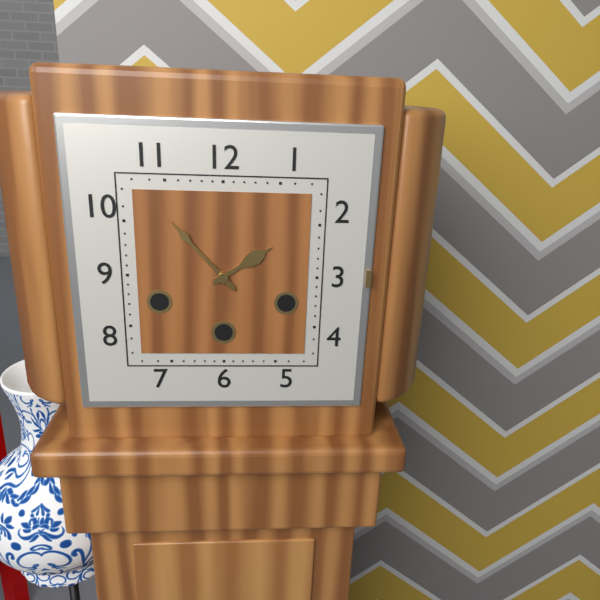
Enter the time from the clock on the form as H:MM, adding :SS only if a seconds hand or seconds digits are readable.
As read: 1:53
